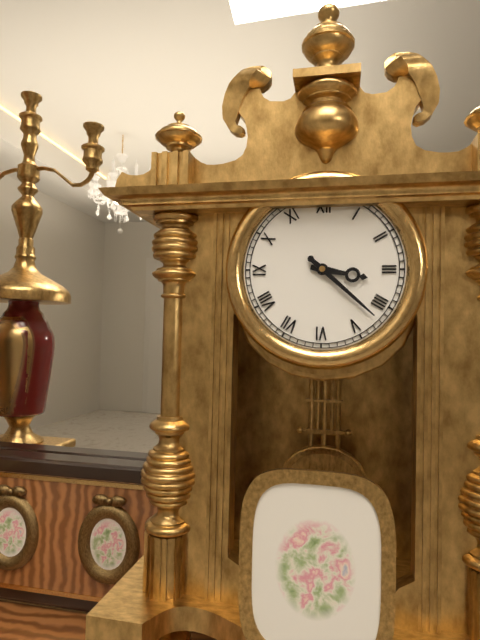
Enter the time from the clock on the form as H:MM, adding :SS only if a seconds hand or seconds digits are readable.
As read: 3:22
